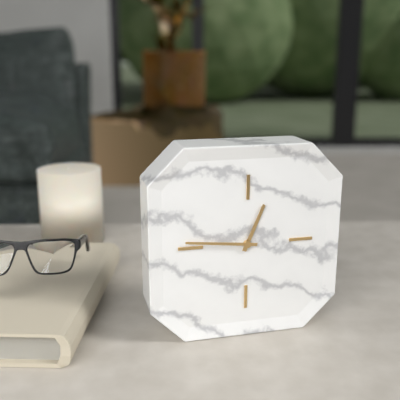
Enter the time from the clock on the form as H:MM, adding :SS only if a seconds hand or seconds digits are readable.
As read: 12:46
